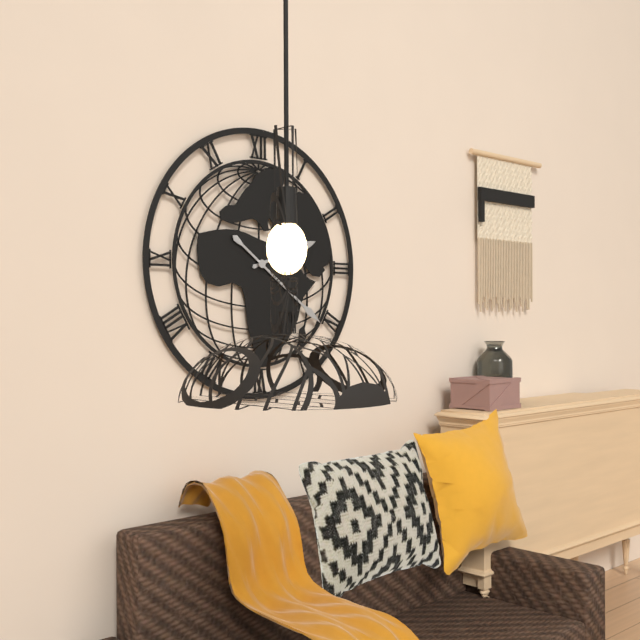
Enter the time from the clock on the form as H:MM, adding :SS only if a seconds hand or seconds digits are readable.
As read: 2:21
